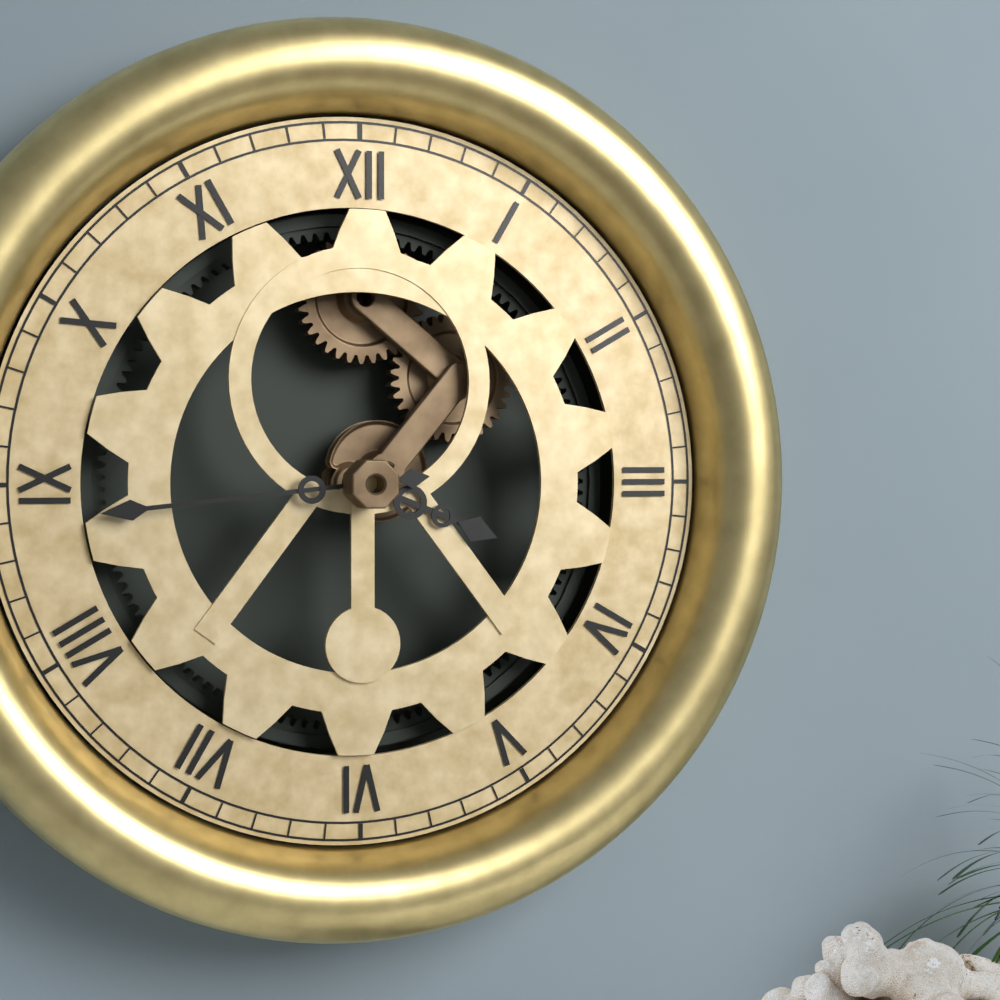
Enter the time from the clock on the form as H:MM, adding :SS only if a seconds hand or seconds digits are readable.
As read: 3:44
